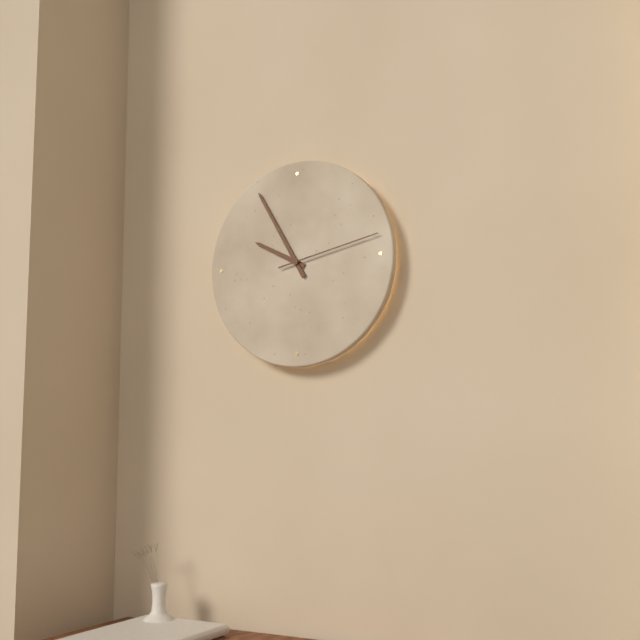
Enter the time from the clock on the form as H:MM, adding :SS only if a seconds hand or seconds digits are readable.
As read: 9:55:13
